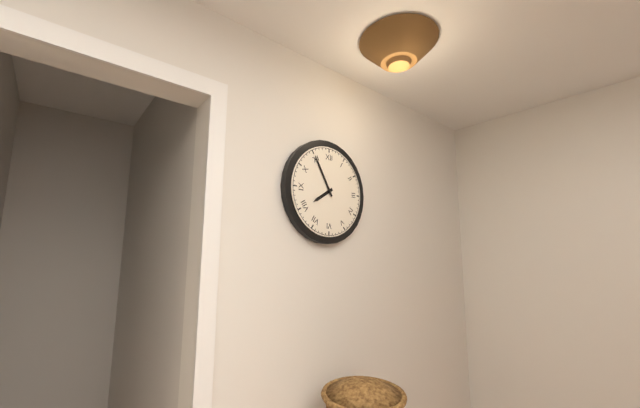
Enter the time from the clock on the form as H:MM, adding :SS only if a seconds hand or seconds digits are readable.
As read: 7:55
